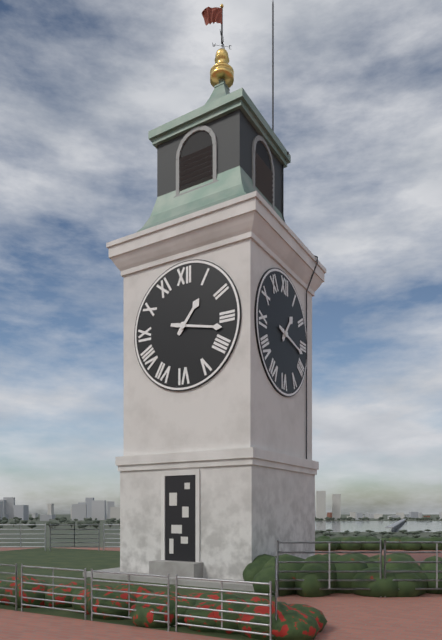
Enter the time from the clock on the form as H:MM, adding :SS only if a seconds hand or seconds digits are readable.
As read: 1:17
